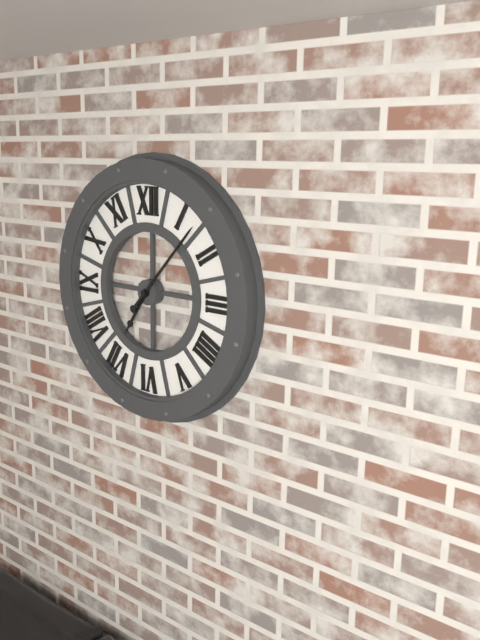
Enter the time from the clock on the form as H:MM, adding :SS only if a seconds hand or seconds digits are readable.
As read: 7:07
